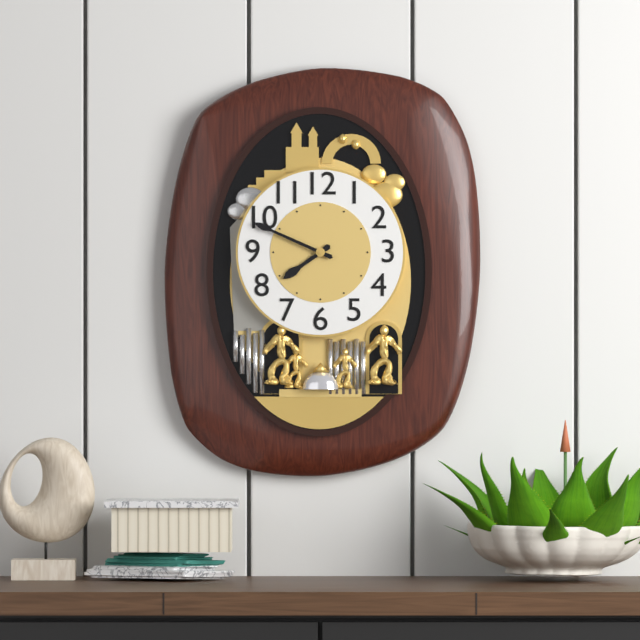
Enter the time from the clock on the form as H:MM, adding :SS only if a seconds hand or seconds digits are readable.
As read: 7:49
